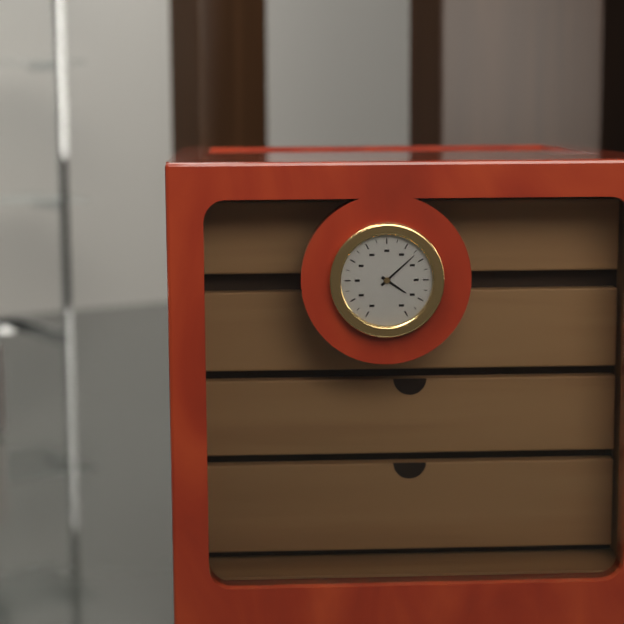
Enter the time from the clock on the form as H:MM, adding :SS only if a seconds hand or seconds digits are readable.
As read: 4:08
